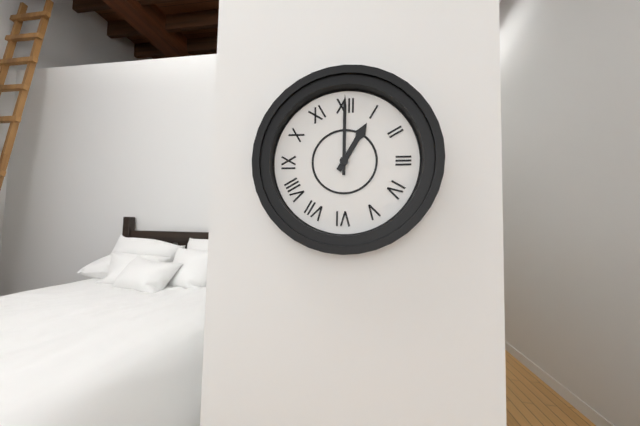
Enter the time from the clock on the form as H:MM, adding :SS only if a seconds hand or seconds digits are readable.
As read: 1:00
